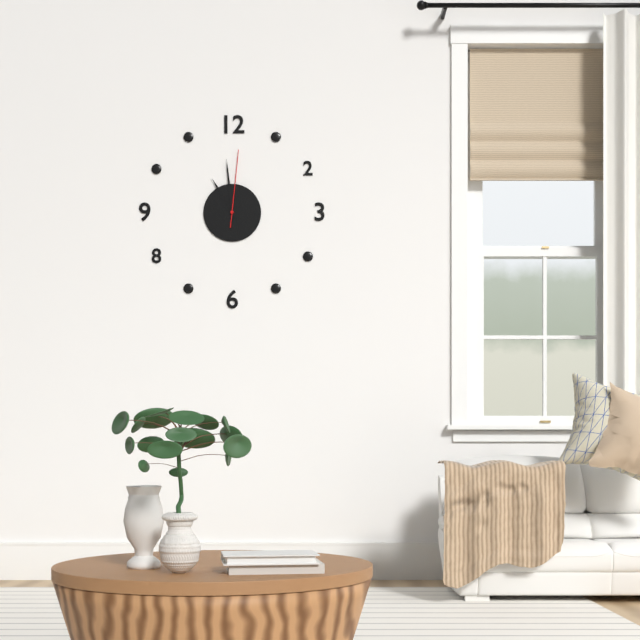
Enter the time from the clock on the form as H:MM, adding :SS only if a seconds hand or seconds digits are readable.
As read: 10:59:01
